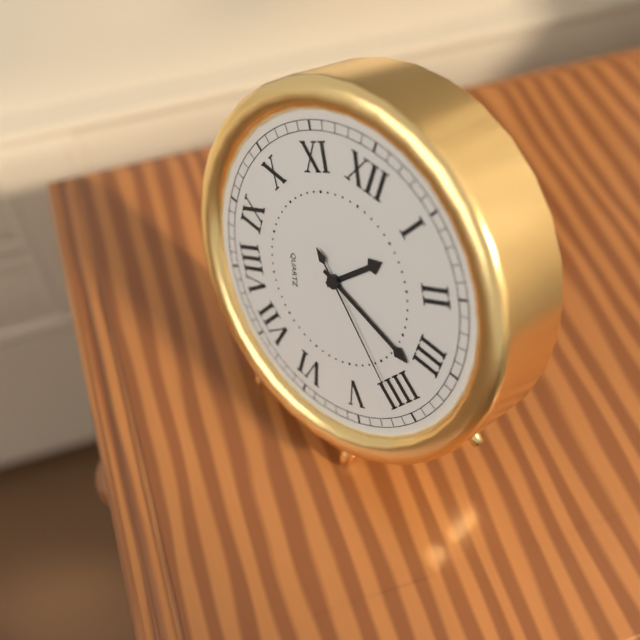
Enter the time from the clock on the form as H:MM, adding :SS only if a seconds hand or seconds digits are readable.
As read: 1:17:21
